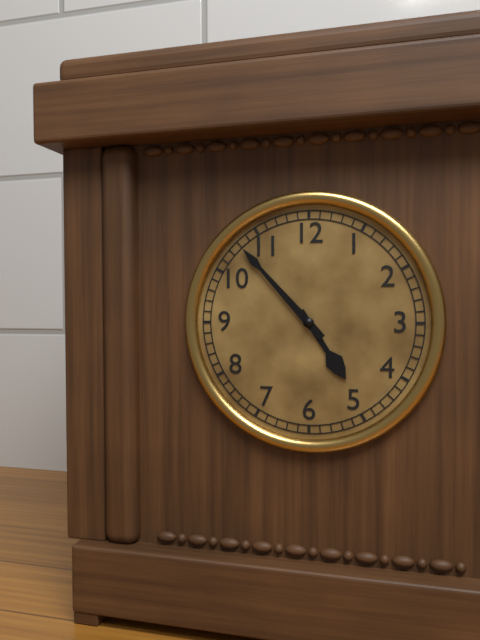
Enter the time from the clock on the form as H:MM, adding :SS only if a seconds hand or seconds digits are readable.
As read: 4:53
